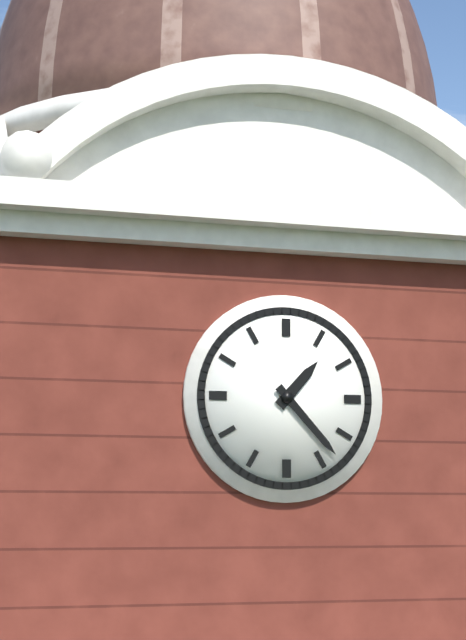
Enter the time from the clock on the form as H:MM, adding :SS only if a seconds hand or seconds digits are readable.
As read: 1:23
